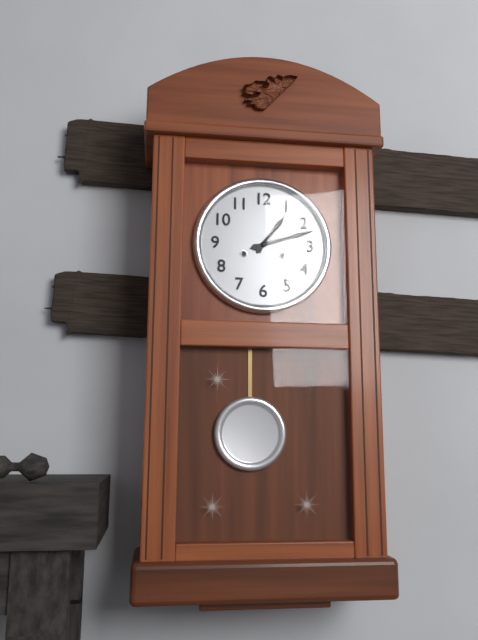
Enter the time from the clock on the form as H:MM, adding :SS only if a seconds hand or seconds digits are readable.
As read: 1:12
